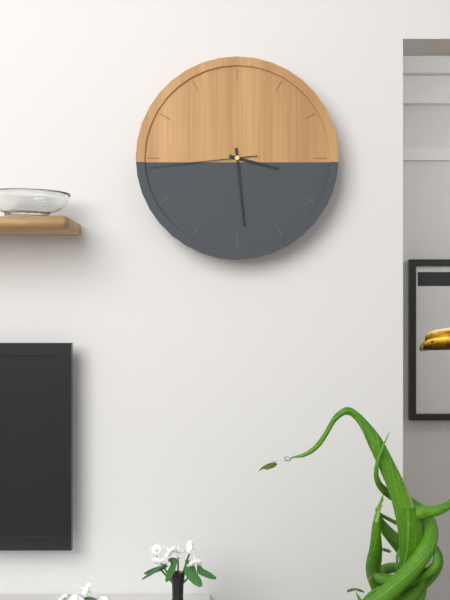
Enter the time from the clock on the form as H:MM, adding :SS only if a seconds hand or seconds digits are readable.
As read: 3:29:44
